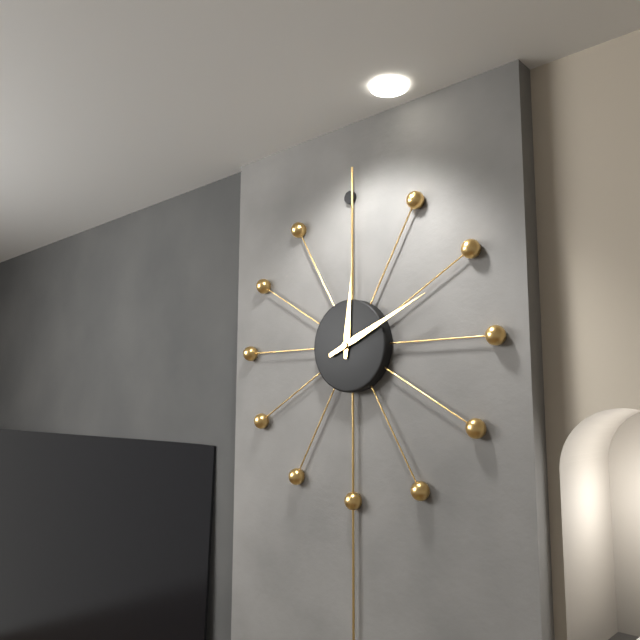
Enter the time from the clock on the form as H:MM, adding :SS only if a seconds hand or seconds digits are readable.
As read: 12:11
